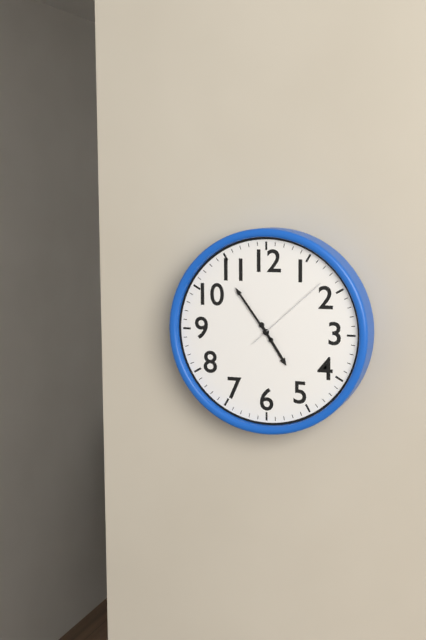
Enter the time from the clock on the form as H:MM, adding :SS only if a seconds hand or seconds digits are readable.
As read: 4:54:08
